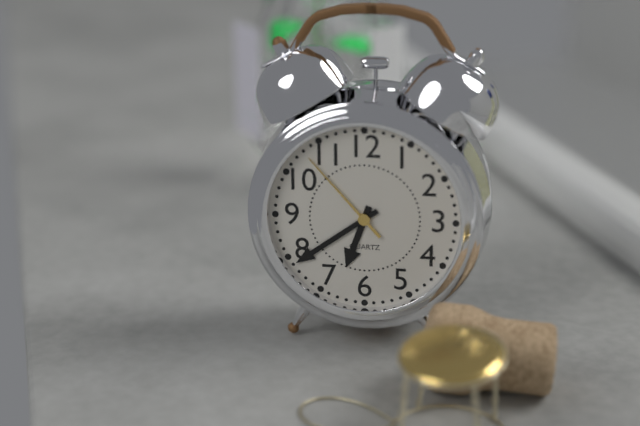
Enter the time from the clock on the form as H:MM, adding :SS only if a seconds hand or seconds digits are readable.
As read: 6:39:53
